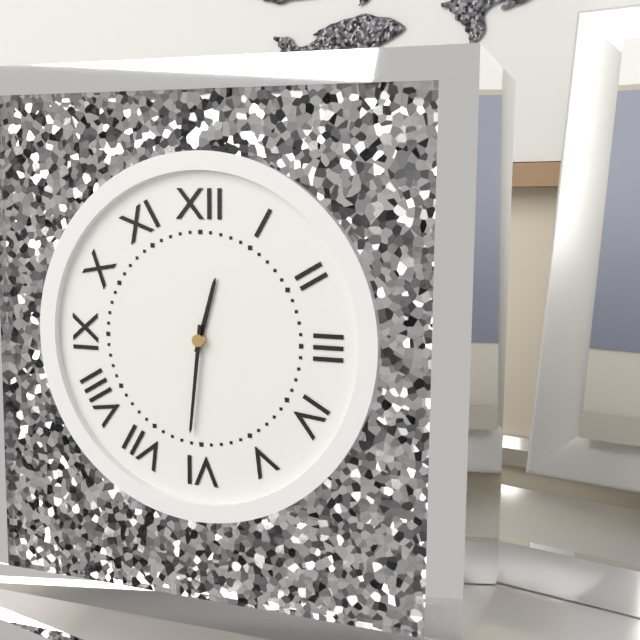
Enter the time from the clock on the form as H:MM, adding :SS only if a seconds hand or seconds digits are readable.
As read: 12:31
